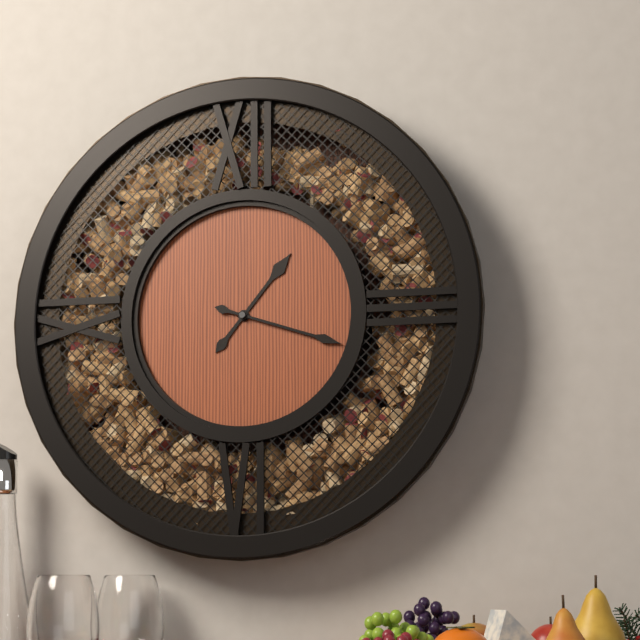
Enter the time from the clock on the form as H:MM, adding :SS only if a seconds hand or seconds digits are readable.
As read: 1:18
